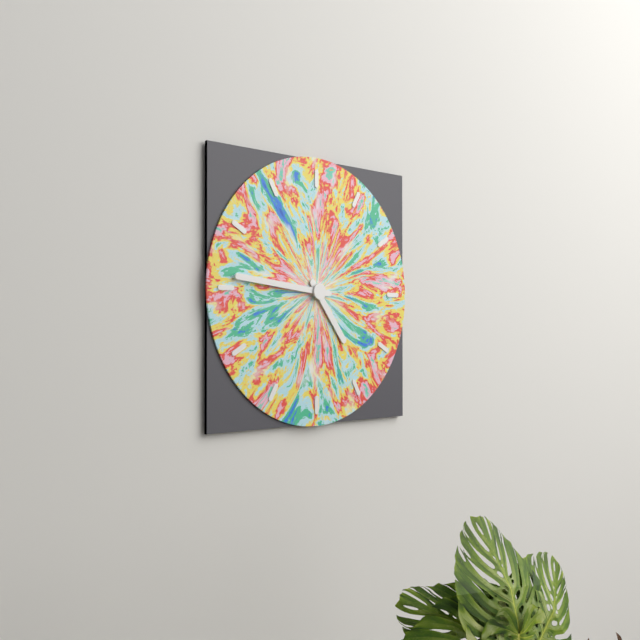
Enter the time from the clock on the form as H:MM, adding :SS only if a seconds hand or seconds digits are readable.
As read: 4:46
